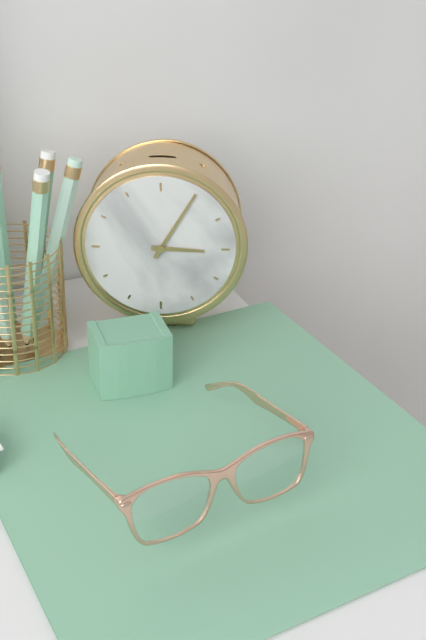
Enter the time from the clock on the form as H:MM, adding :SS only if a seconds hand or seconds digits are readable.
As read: 3:05
